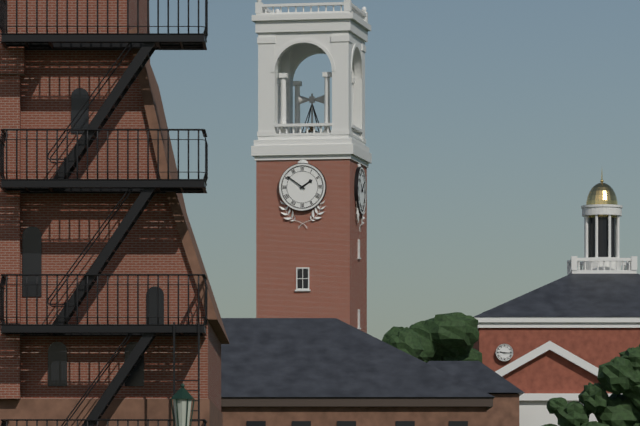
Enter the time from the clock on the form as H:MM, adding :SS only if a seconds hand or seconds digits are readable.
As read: 1:51
